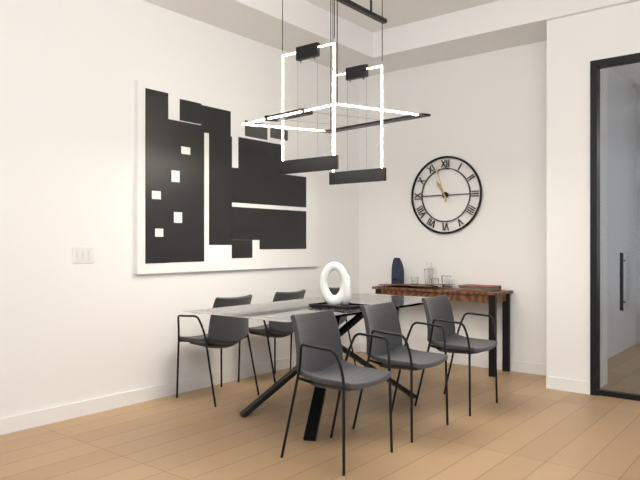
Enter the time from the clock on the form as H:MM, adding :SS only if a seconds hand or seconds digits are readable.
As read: 10:57
